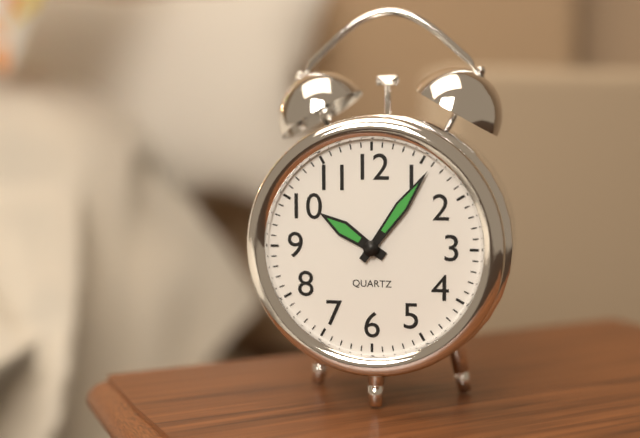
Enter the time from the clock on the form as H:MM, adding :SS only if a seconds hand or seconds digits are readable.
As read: 10:06
